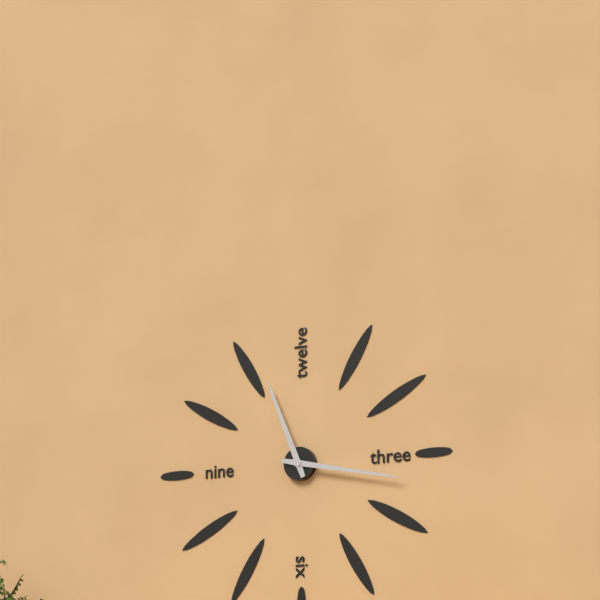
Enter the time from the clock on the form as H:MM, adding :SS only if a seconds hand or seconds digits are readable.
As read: 11:17
